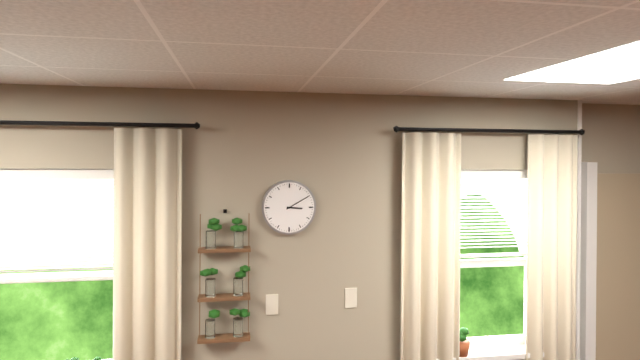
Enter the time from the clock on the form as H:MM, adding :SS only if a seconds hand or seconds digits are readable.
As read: 3:10
